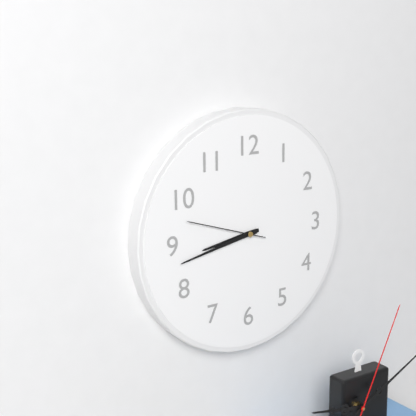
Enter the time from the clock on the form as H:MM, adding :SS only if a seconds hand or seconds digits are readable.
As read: 8:43:48
